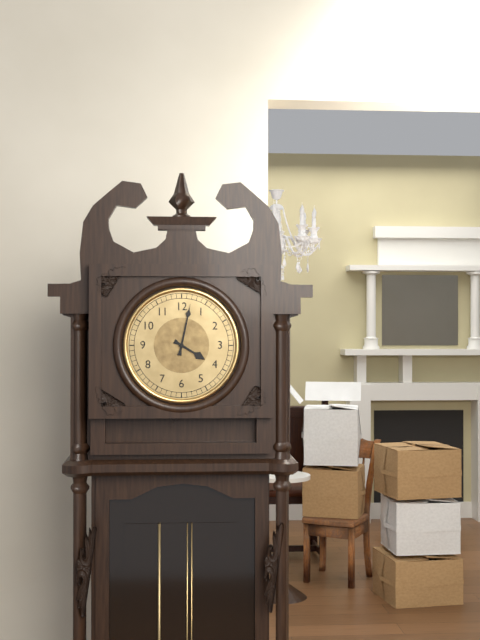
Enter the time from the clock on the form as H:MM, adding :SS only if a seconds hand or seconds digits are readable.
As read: 4:02
